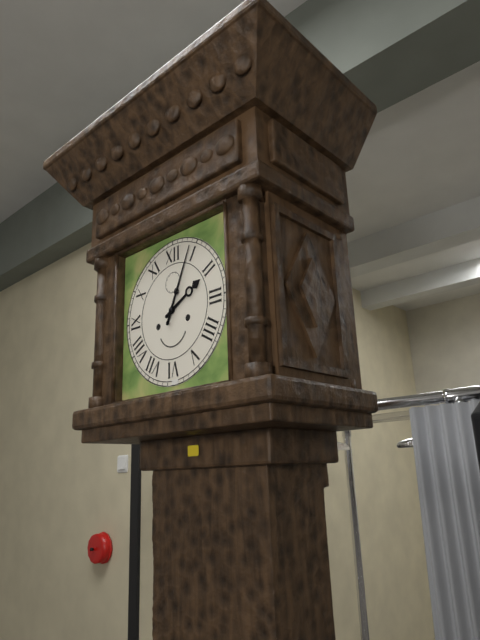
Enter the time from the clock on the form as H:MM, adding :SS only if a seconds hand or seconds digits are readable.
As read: 2:04
